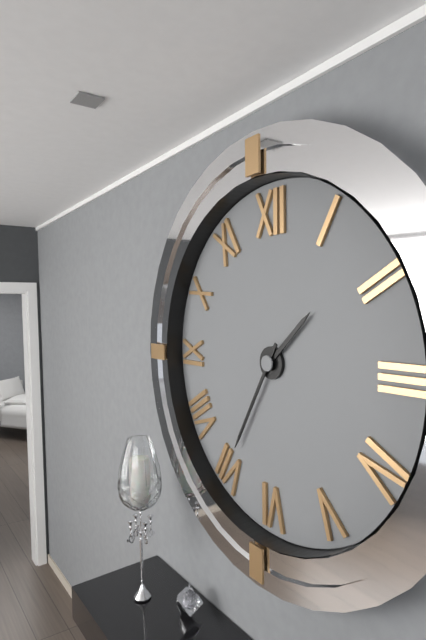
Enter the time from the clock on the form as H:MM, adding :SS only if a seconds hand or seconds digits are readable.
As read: 1:35
